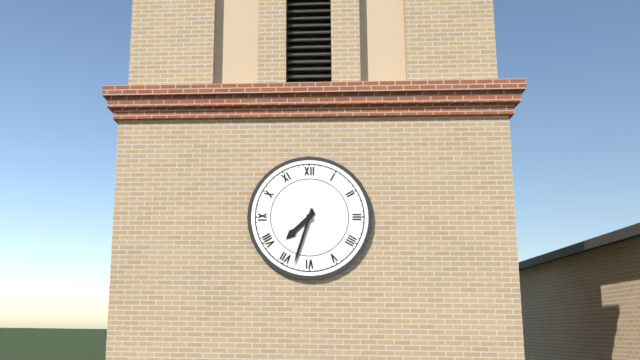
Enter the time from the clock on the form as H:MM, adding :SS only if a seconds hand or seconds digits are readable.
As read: 7:33
